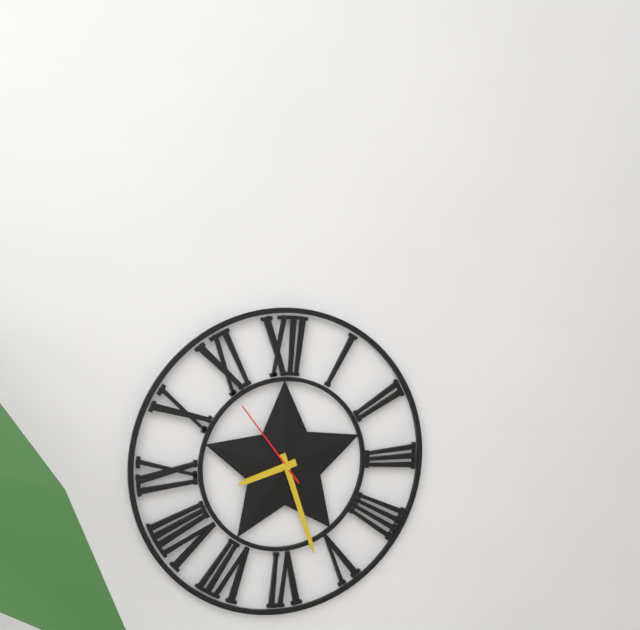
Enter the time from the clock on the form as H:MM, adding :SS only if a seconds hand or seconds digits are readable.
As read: 8:27:54
